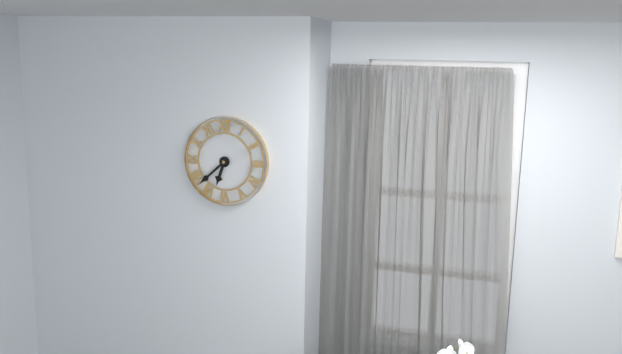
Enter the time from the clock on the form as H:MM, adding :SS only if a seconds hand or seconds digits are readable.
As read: 6:38
